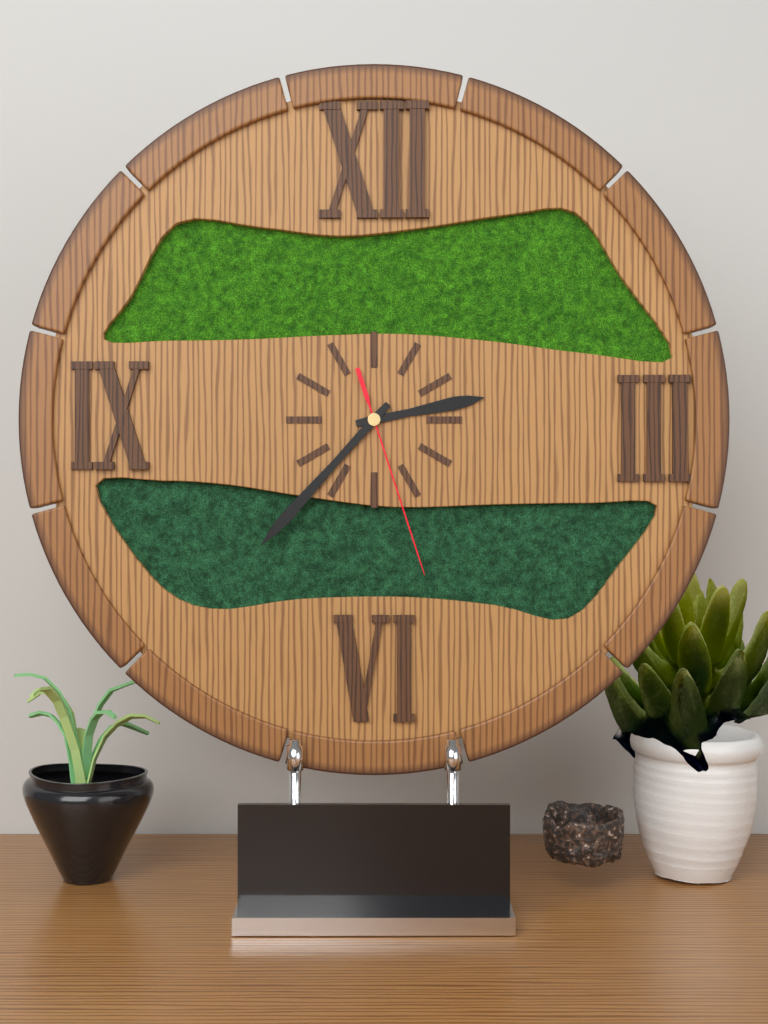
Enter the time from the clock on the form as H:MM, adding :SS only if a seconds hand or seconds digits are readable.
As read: 2:37:27
